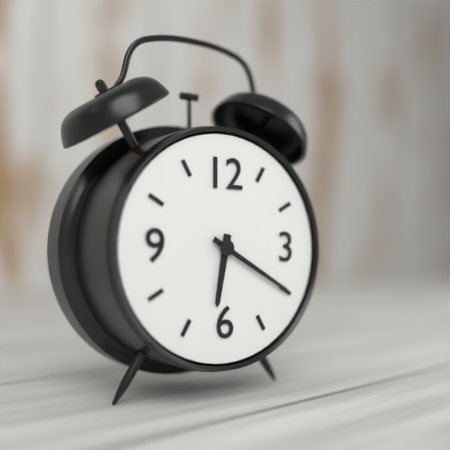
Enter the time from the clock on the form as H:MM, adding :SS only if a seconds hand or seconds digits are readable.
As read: 6:20
